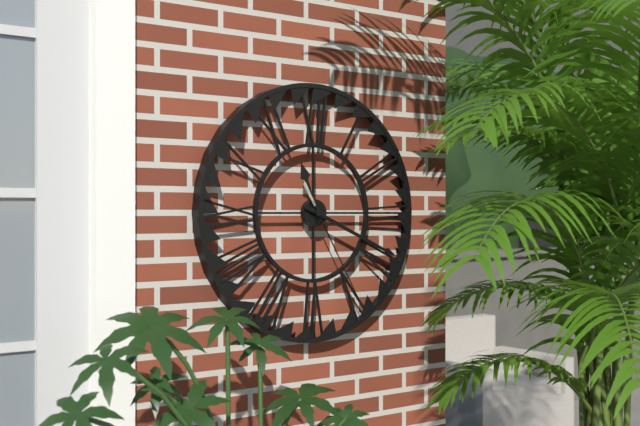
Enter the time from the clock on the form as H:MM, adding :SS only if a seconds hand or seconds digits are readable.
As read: 11:19:25
